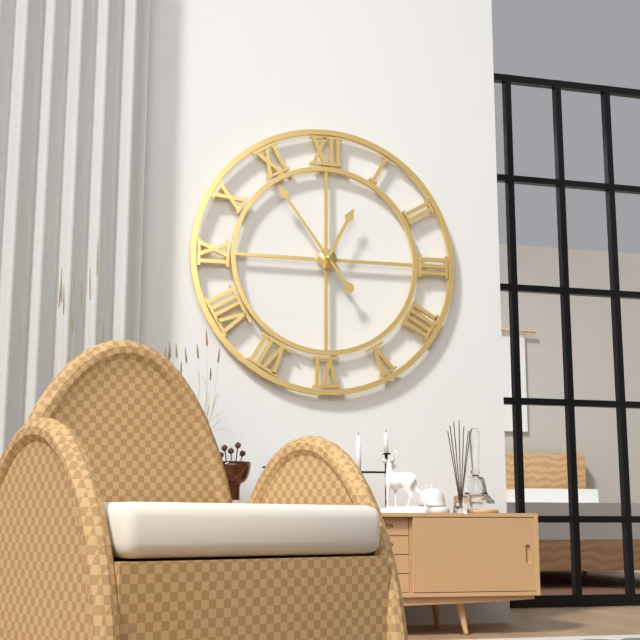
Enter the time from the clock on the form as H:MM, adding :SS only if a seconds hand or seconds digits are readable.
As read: 12:54
